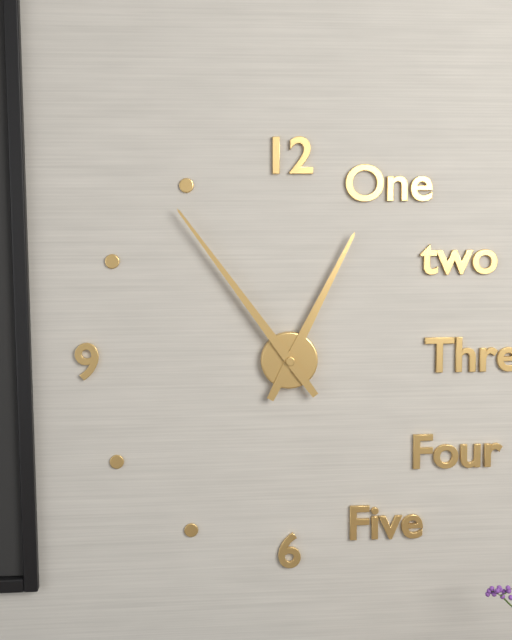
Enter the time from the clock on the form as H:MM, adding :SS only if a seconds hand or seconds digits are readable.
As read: 12:54
